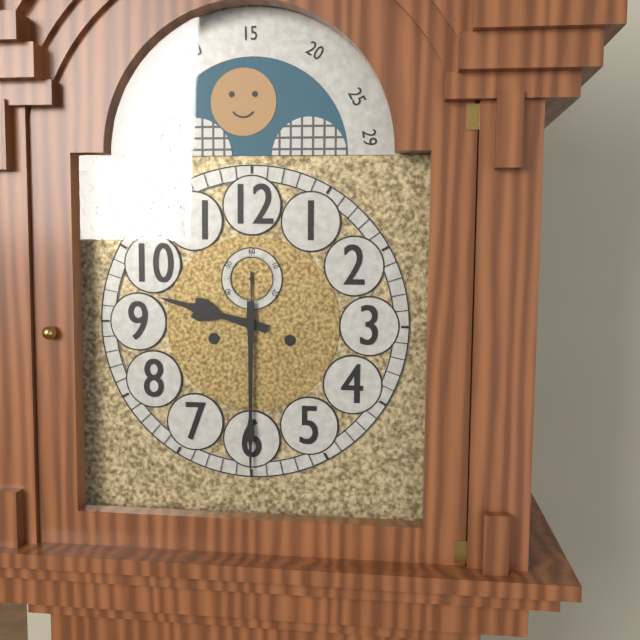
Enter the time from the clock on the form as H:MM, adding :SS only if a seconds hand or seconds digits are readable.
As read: 9:30
